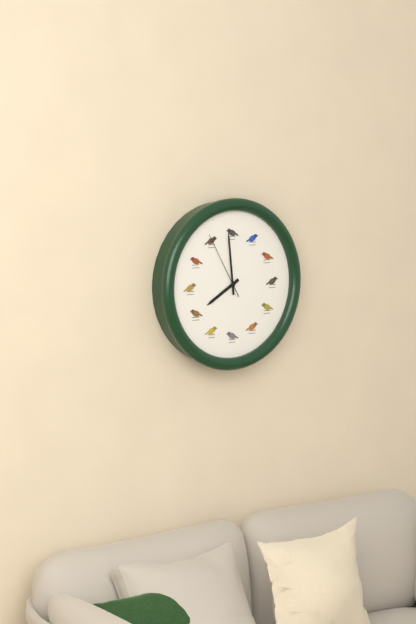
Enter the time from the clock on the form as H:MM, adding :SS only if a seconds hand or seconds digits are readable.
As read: 7:59:55
